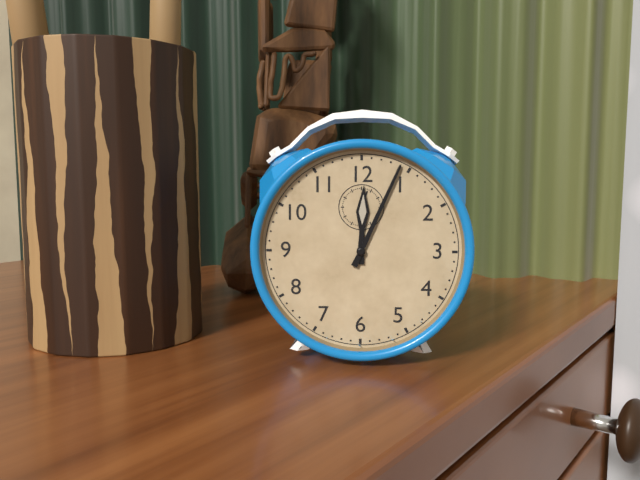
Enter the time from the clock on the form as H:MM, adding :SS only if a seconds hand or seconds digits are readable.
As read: 12:04
